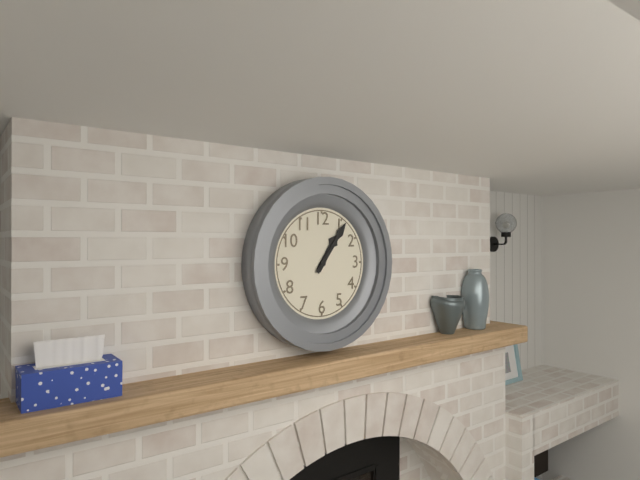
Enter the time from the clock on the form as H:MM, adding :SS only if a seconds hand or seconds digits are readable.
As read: 1:06
